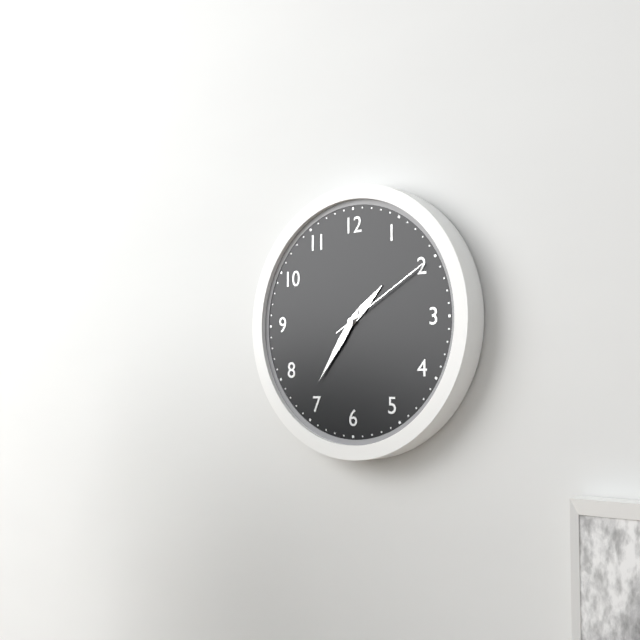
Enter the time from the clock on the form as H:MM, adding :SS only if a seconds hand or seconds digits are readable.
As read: 1:36:10
